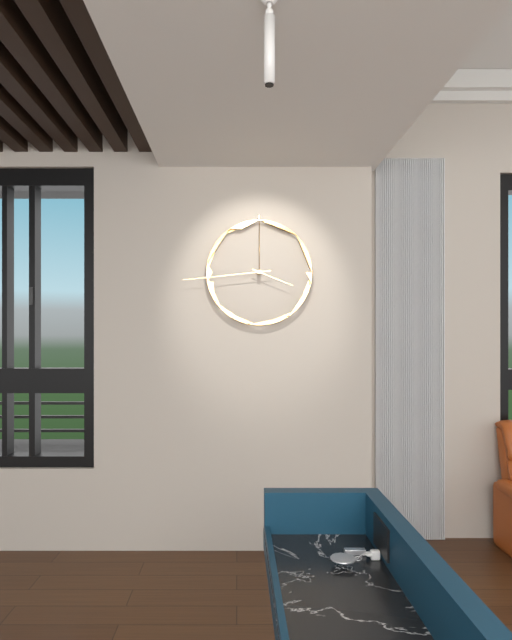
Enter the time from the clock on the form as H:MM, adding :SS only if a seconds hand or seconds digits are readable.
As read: 3:44
